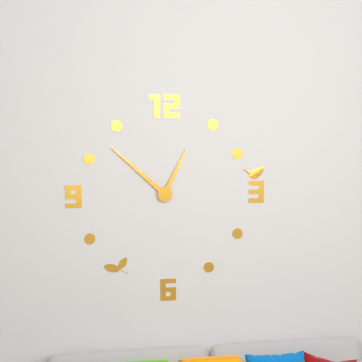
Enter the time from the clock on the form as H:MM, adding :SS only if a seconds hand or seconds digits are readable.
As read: 12:52
